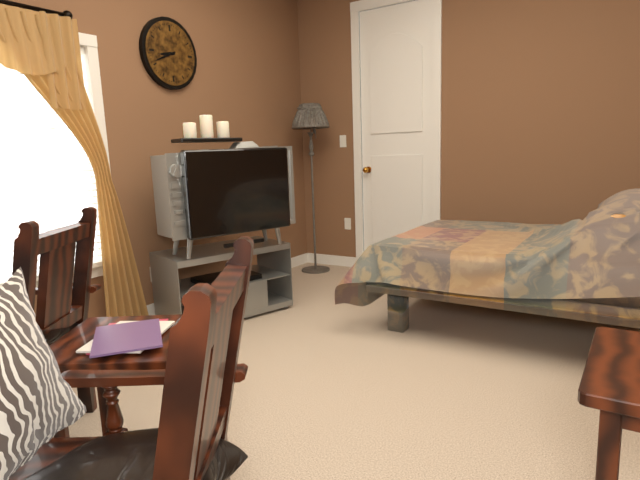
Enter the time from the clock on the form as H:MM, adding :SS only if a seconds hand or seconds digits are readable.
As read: 8:41
